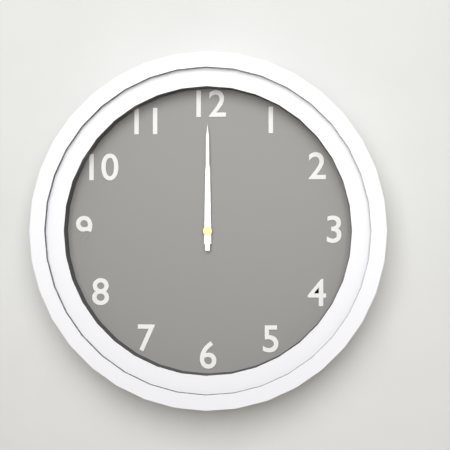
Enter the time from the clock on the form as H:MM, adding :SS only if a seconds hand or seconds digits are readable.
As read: 12:00
